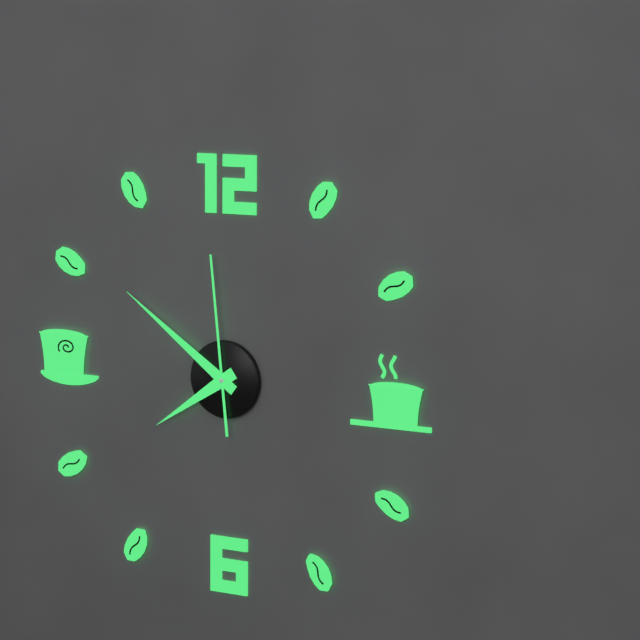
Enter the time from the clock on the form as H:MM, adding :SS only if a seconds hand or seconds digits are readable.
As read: 7:51:59
